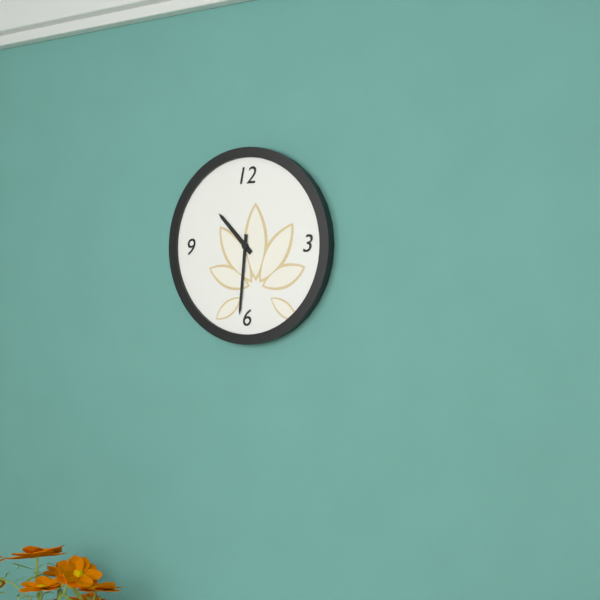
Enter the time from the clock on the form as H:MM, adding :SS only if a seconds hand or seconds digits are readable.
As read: 10:31
